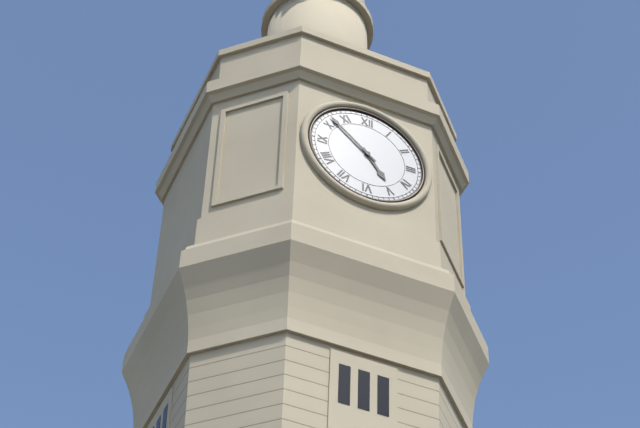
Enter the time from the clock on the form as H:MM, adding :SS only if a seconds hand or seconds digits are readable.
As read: 4:52
